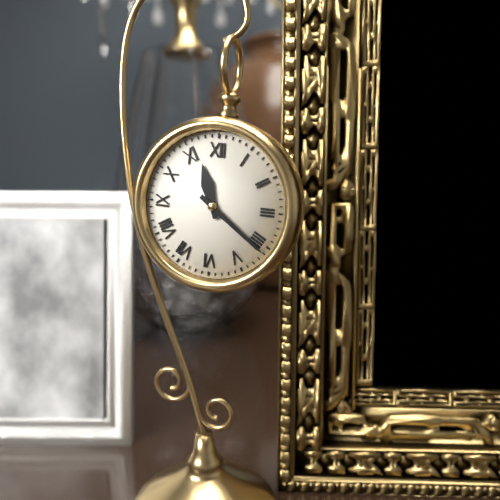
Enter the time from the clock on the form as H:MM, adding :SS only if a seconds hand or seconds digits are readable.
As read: 11:21
